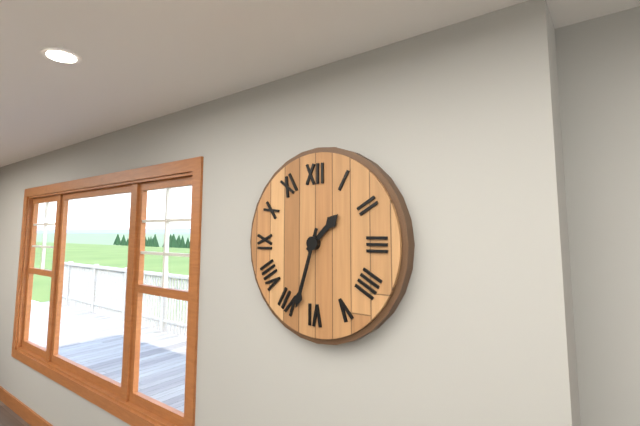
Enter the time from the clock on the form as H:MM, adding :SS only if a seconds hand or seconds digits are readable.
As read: 1:33
